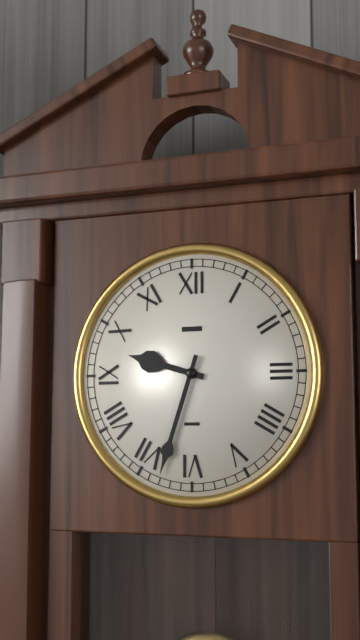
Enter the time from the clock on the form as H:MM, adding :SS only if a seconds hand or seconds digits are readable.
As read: 9:33
